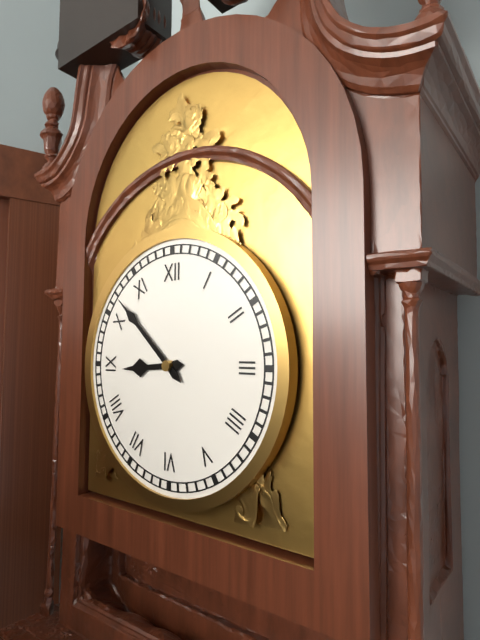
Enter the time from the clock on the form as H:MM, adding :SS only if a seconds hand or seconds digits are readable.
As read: 8:52
